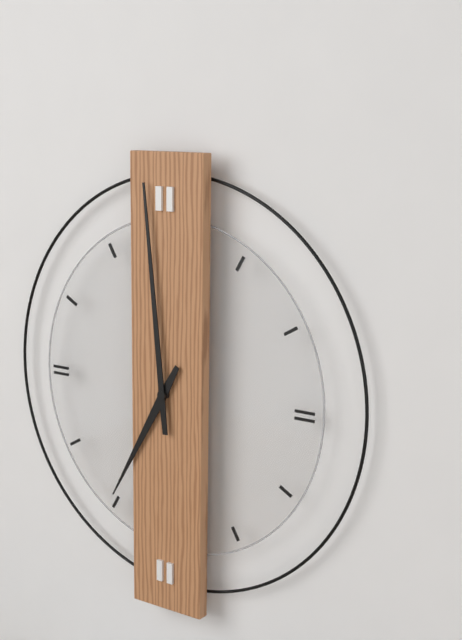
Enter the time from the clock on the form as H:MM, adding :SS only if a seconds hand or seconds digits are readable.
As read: 6:59
